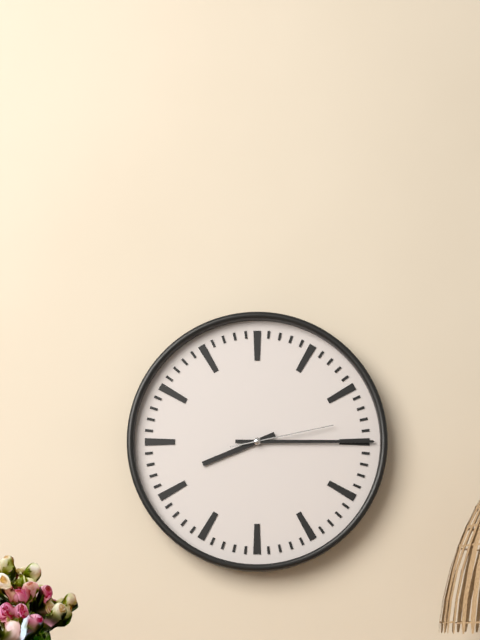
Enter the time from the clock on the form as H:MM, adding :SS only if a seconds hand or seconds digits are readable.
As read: 8:15:13
